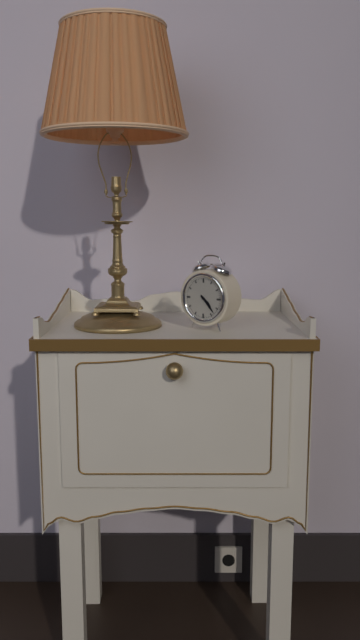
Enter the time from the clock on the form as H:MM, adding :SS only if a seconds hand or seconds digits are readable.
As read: 4:23
